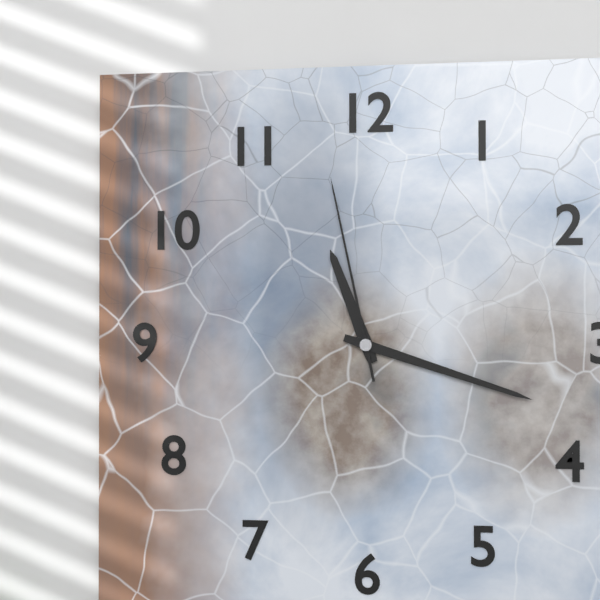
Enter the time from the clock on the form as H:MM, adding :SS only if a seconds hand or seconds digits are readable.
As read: 11:18:58
